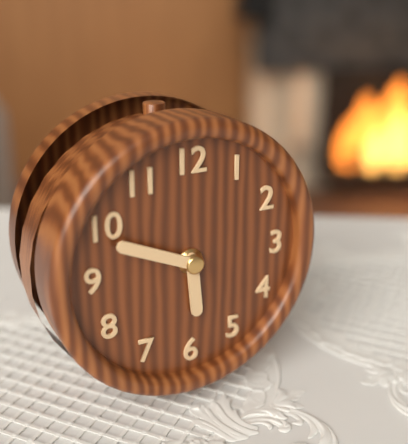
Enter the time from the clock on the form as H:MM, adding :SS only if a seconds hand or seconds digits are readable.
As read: 5:49
